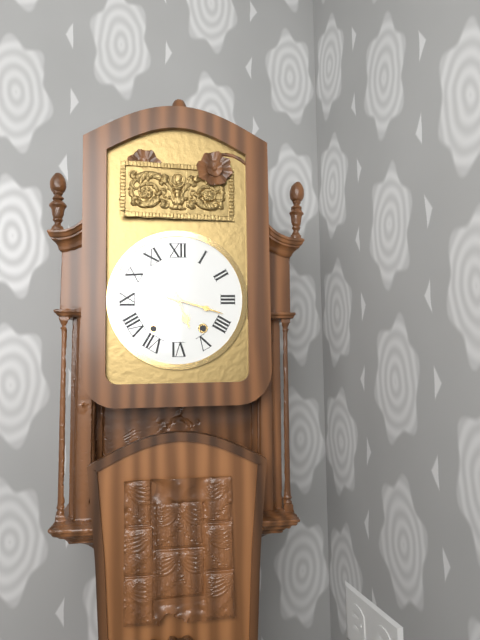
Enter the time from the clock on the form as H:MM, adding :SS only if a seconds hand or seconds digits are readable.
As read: 5:18
